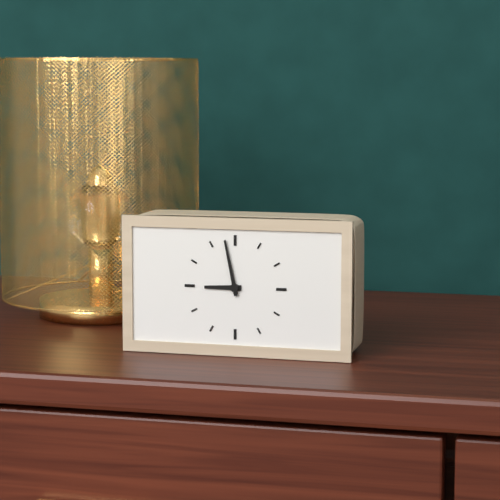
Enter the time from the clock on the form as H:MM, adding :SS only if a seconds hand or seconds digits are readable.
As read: 8:58
